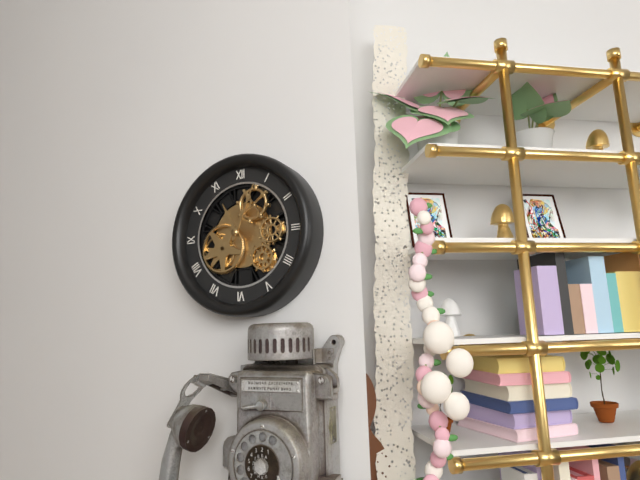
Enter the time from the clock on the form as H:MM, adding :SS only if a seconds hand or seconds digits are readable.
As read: 11:04
